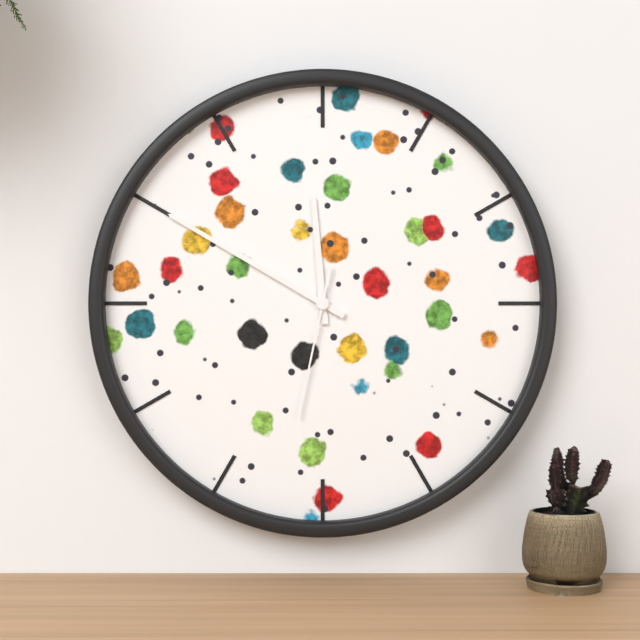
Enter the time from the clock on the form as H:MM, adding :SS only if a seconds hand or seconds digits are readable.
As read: 11:50:32
